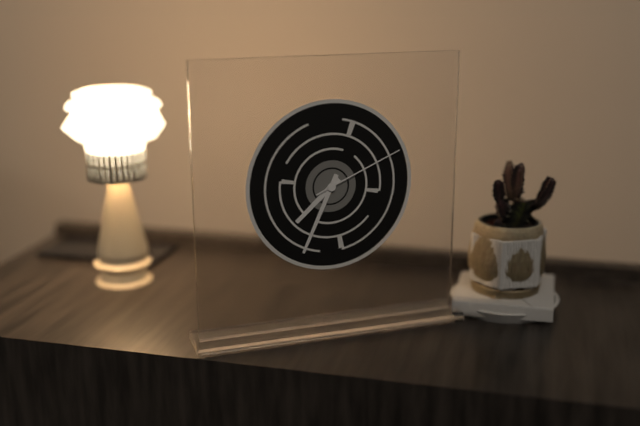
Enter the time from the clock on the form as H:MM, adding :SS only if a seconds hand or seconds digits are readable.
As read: 7:34:11
